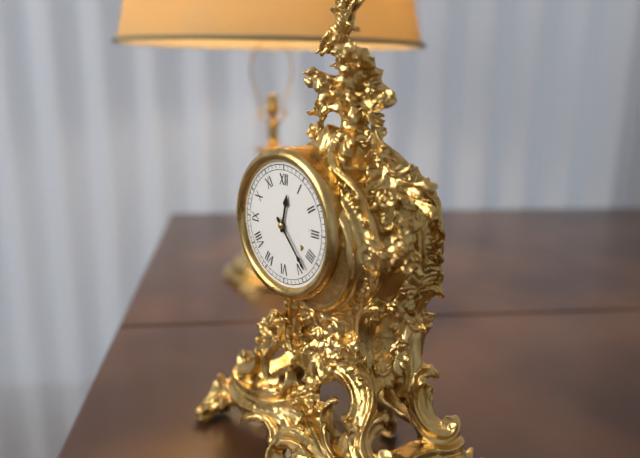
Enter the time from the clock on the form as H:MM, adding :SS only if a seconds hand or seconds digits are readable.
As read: 12:23
